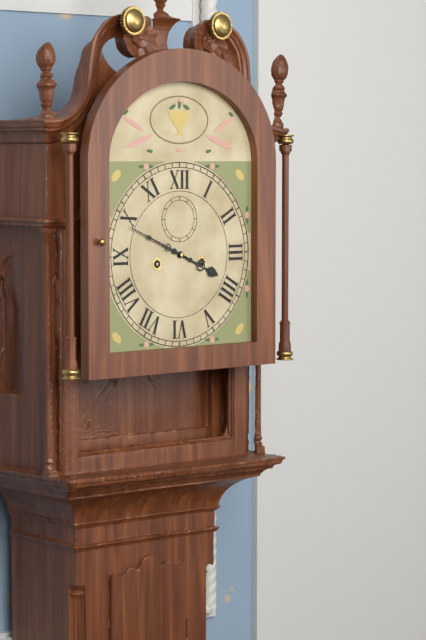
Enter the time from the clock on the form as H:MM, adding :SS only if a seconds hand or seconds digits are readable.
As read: 3:49
